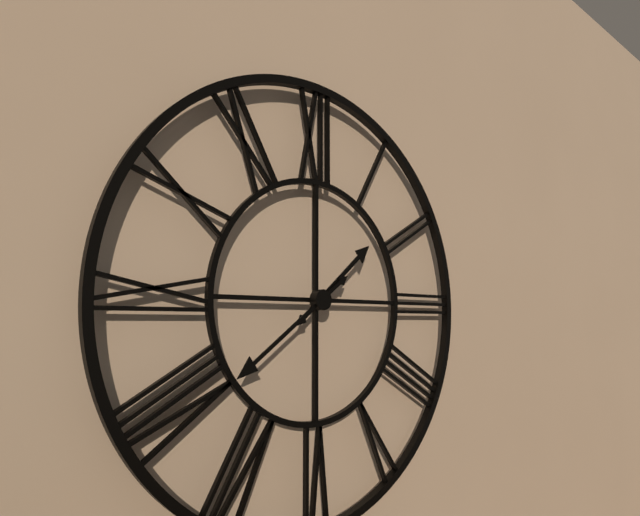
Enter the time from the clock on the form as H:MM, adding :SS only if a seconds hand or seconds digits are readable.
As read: 1:39
